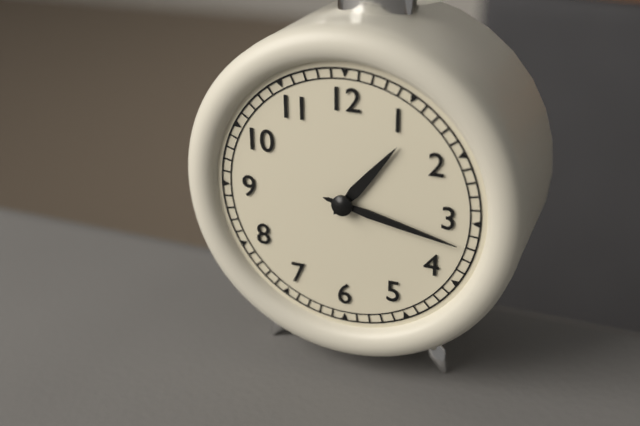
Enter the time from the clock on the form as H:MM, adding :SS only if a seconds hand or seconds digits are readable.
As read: 1:17
